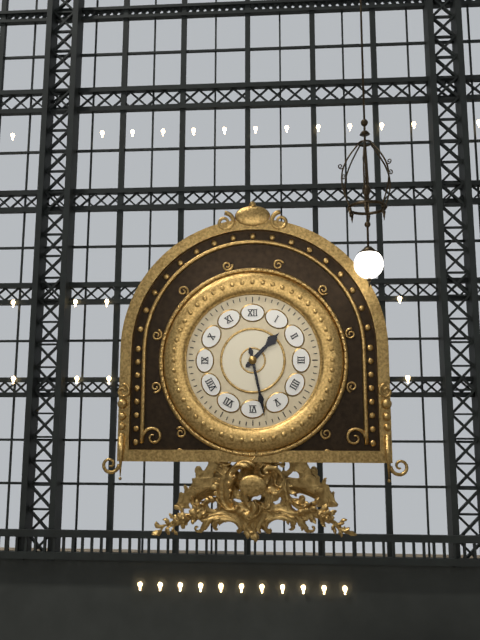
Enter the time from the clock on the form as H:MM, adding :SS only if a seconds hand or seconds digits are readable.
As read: 1:28
